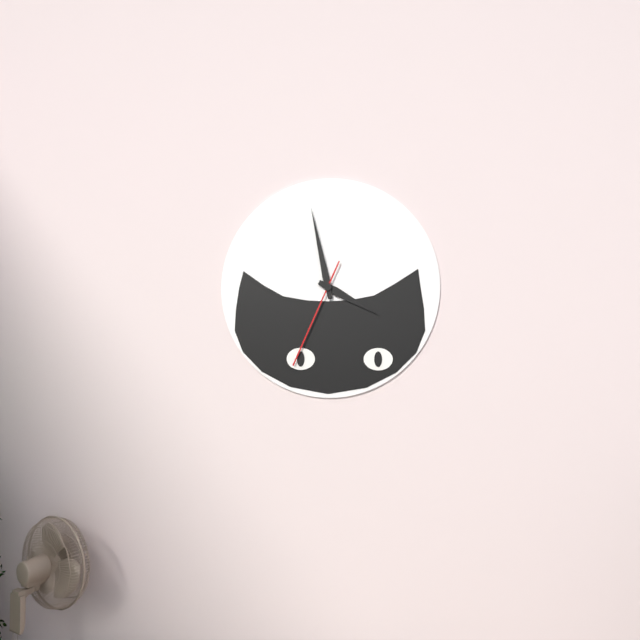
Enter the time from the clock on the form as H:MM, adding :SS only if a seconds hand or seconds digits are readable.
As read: 3:58:34
